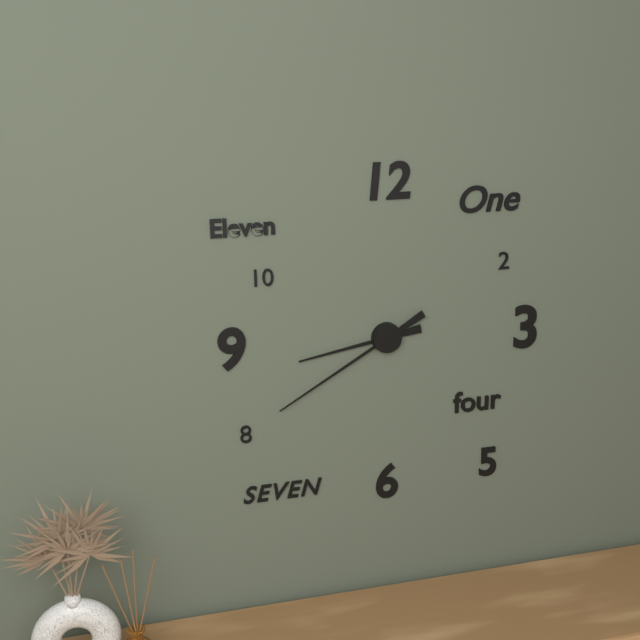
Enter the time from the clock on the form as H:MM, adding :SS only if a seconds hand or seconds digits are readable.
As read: 8:40
